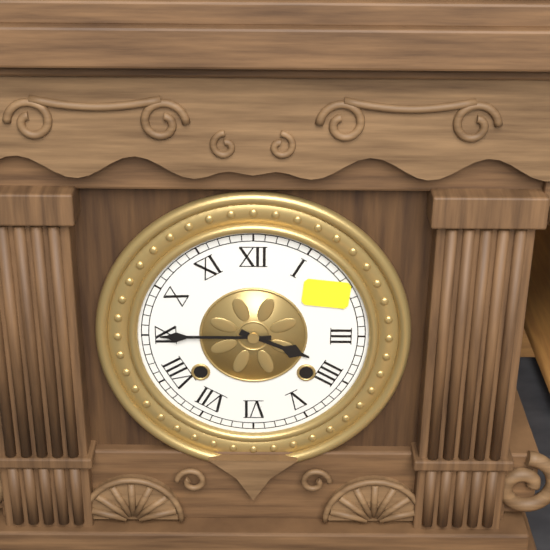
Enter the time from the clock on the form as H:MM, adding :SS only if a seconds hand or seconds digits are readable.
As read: 3:45
